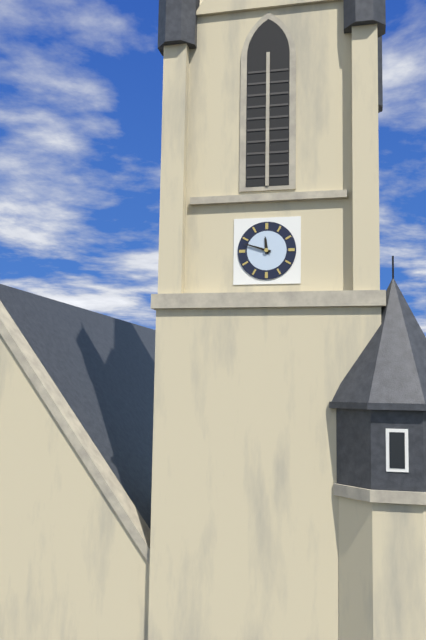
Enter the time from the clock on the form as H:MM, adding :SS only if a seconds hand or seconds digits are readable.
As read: 11:48
